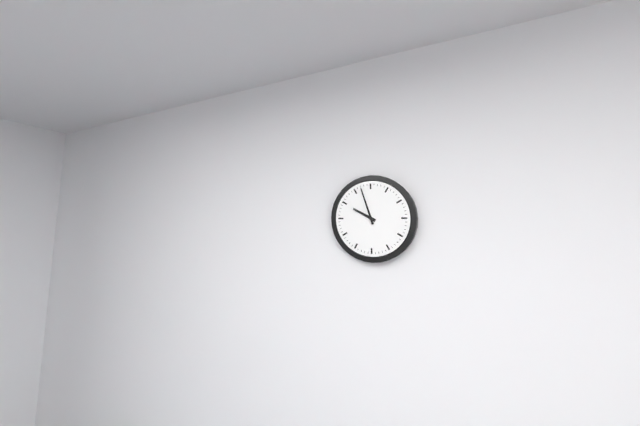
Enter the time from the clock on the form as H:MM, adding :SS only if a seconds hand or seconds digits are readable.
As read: 9:57
